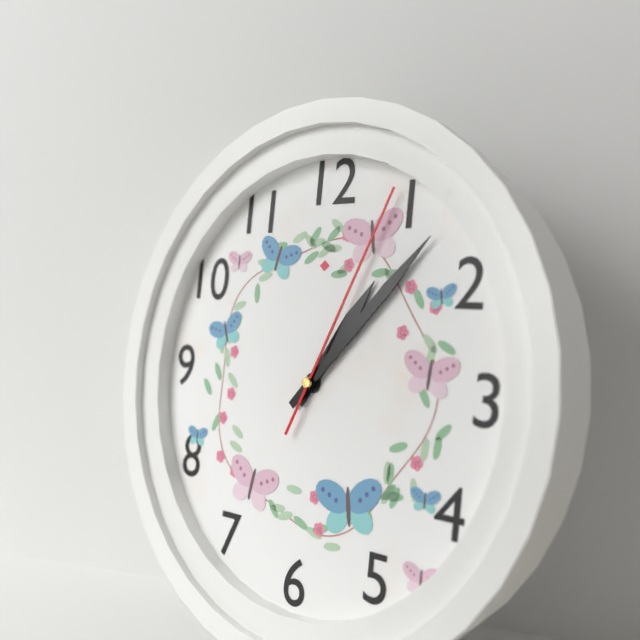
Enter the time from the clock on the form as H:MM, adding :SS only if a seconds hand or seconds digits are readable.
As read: 1:07:04
